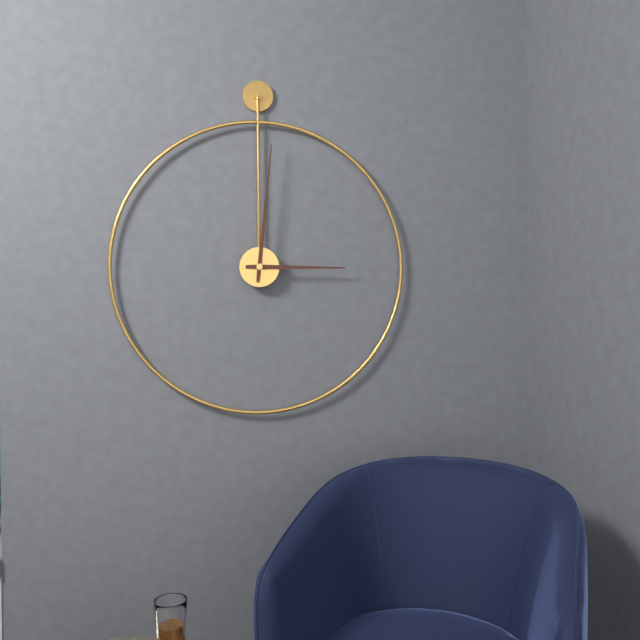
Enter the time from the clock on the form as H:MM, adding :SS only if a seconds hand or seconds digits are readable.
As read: 3:01
